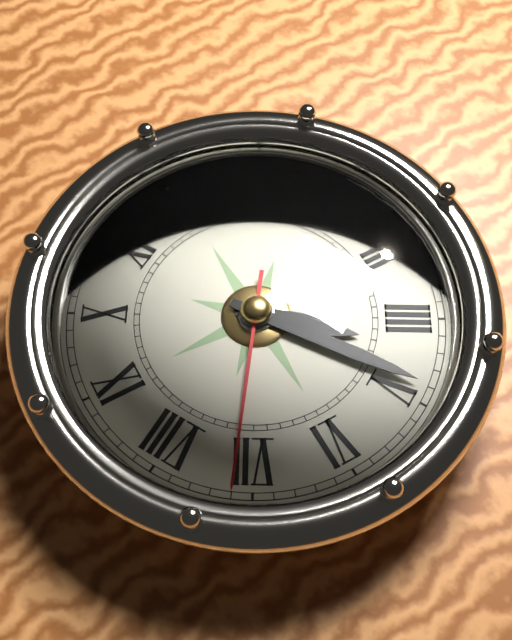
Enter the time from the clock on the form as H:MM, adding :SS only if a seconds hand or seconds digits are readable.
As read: 4:24:36
